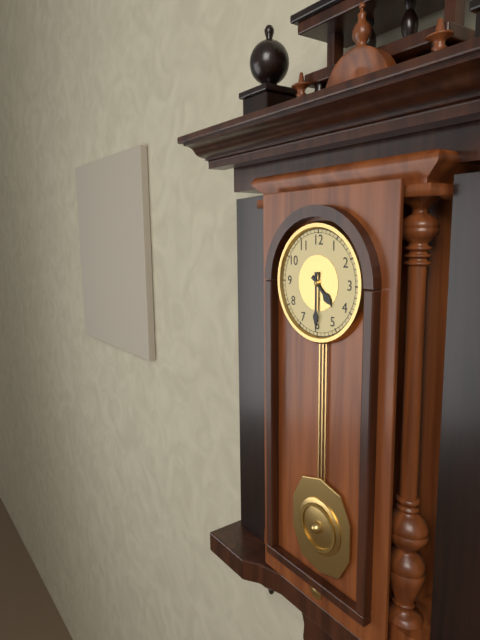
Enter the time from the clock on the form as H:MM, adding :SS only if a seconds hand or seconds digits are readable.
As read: 4:30
